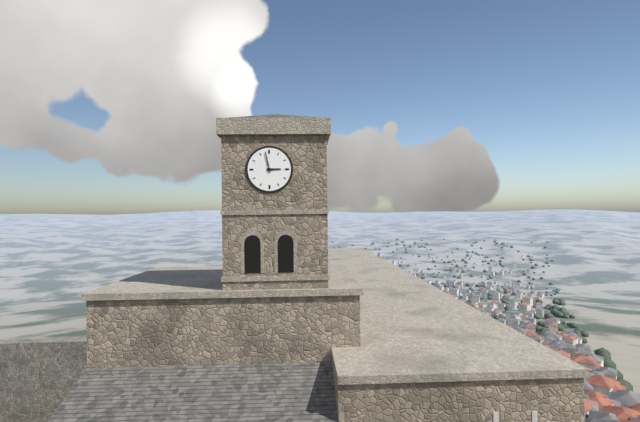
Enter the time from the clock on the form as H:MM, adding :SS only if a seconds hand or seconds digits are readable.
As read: 2:58
